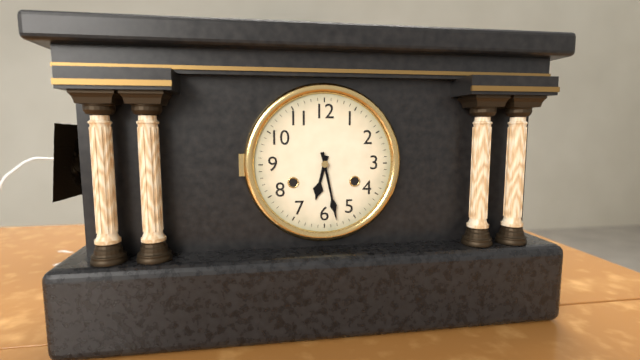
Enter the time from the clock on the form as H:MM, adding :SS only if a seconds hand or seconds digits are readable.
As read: 6:28
